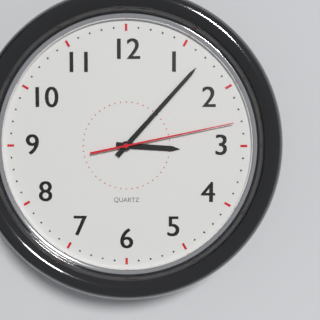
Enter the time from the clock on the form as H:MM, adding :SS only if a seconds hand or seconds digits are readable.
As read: 3:07:13
